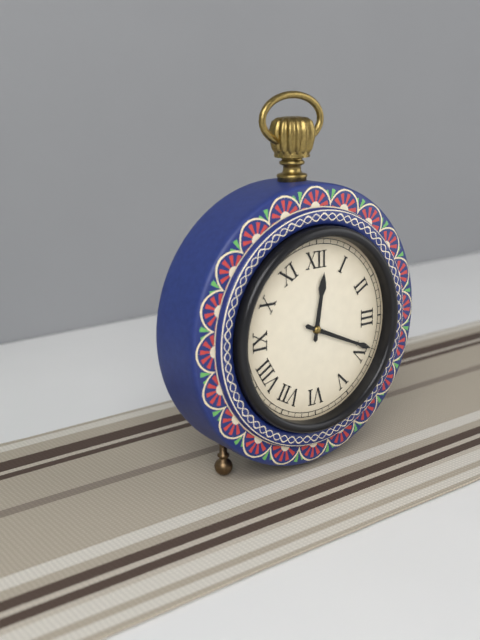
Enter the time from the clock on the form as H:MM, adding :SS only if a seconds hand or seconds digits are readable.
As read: 12:19
